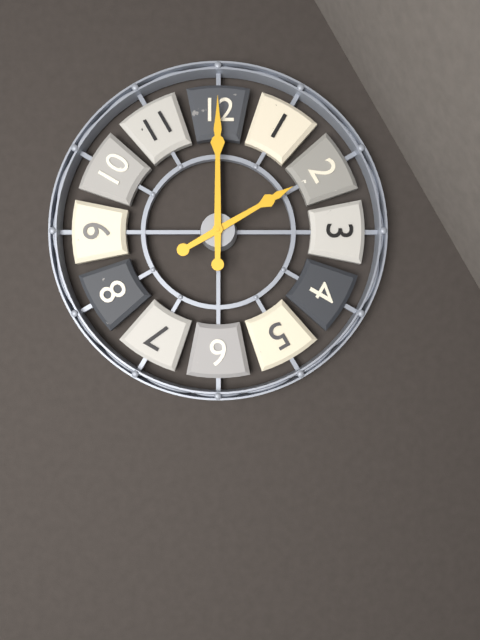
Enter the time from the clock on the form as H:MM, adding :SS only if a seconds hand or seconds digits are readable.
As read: 2:00
